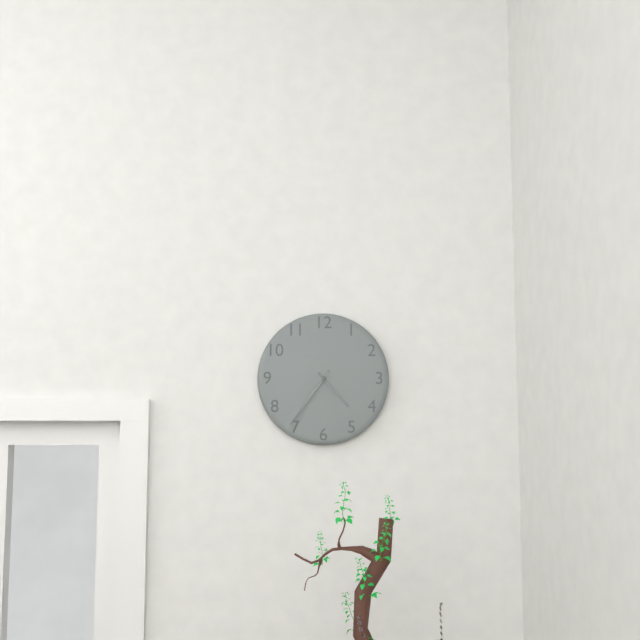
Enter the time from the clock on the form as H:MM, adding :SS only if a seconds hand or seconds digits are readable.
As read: 4:36
